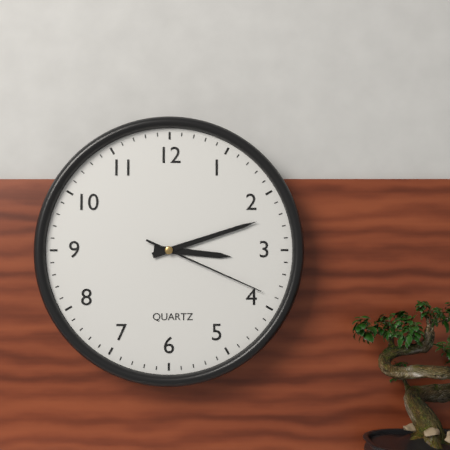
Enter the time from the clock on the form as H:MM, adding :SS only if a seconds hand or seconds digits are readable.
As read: 3:12:19
